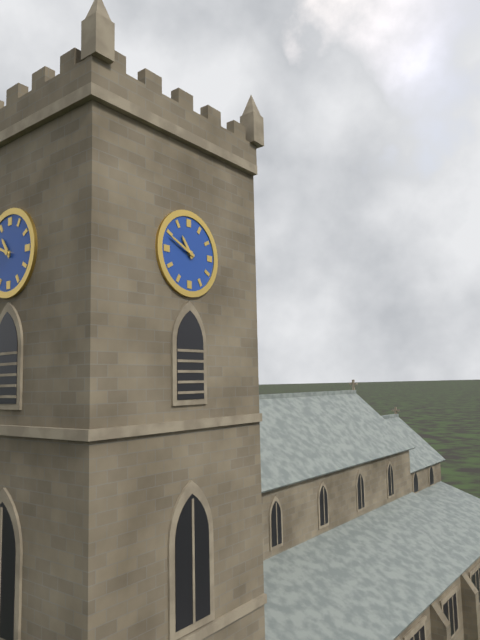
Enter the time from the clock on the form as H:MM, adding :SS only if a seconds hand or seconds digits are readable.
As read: 10:49
